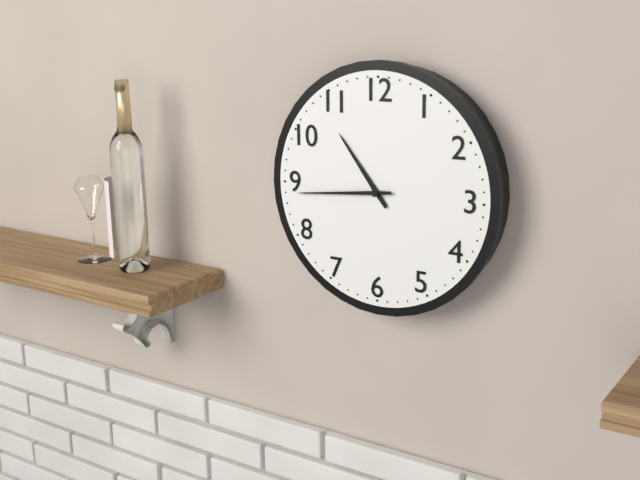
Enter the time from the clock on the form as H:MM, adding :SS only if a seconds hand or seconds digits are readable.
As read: 10:44
